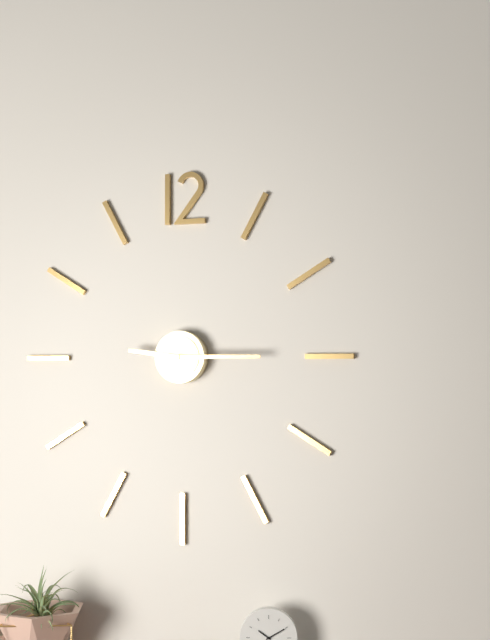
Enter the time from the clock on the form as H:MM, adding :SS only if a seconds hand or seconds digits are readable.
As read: 9:15
